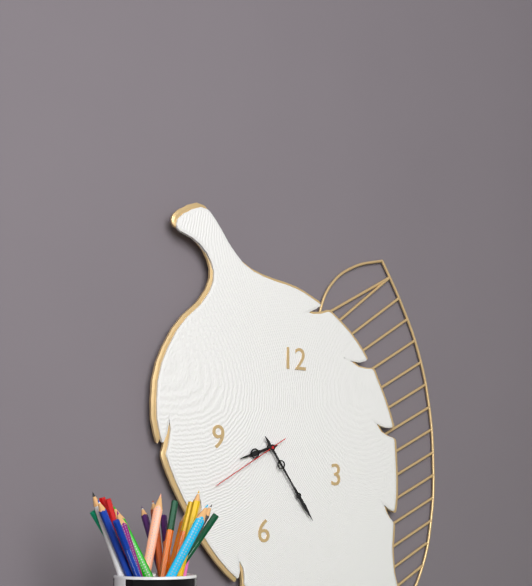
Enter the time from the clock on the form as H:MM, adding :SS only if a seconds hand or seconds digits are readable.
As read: 8:24:40
